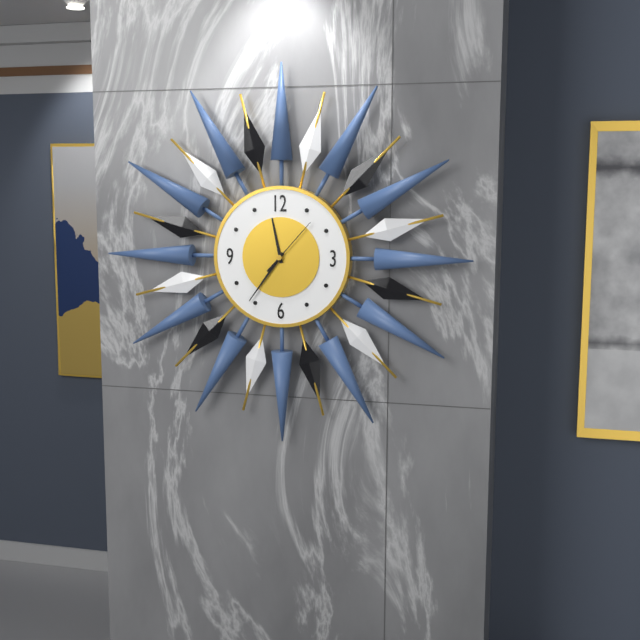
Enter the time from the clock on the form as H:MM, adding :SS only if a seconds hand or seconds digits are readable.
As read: 11:36:07
